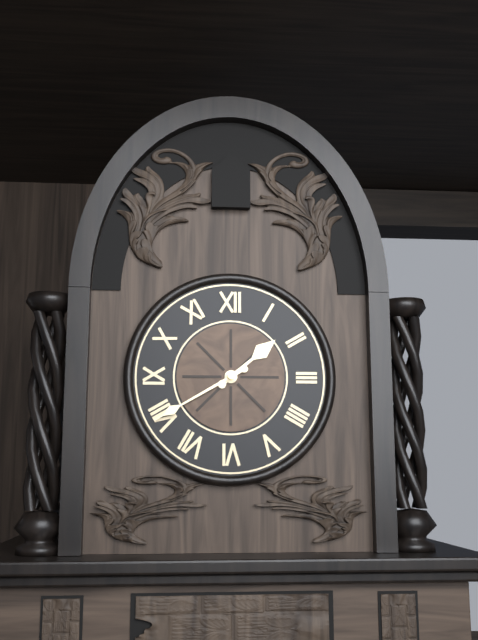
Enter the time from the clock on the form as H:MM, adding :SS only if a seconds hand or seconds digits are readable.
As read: 1:40
